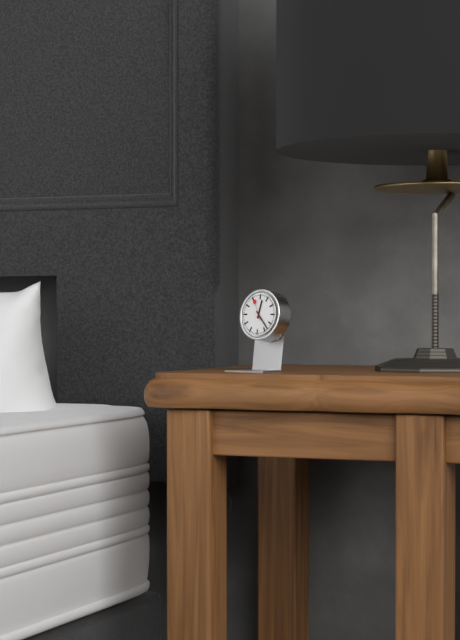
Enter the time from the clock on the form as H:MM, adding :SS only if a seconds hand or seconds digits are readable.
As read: 12:23
